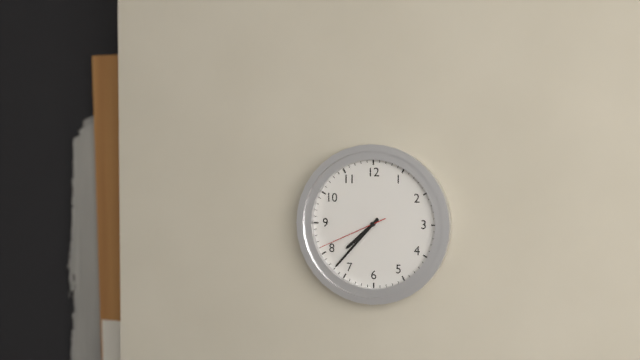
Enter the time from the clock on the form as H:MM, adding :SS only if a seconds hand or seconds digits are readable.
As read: 7:37:41
